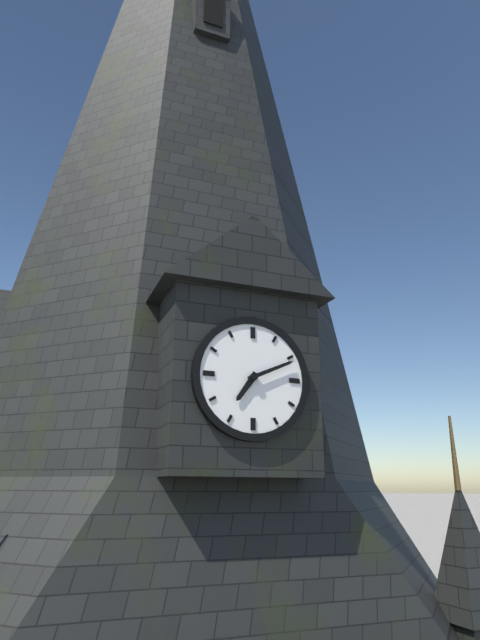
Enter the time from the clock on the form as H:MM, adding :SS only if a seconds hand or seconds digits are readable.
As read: 7:11
